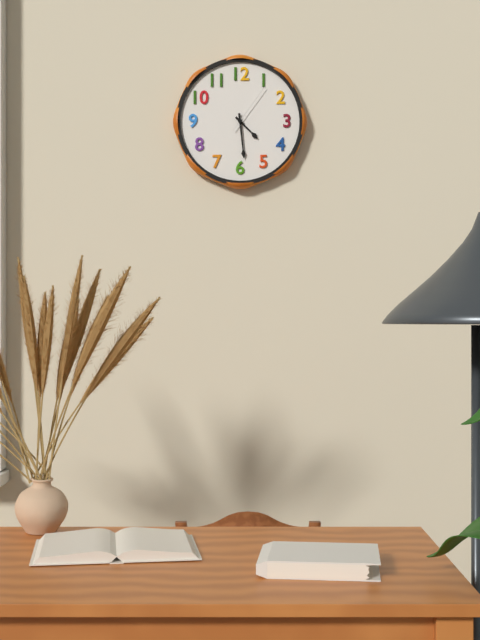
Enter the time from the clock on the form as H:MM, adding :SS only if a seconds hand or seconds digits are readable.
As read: 4:29:06
